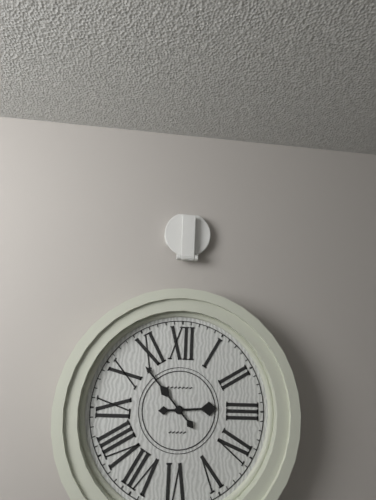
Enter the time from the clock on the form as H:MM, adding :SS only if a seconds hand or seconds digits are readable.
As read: 2:53
